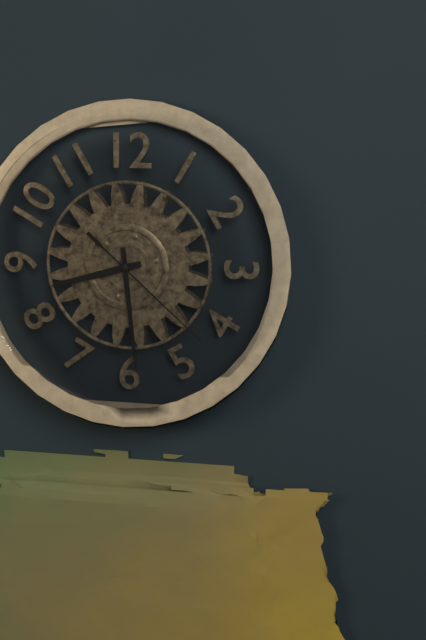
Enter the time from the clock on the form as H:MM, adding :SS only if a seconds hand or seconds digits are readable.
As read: 8:29:22
